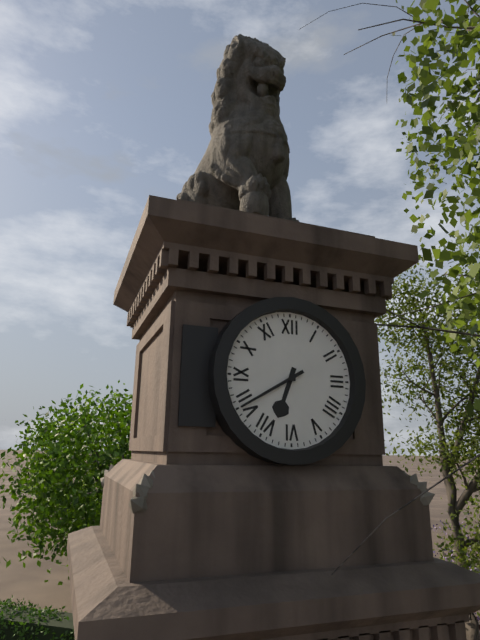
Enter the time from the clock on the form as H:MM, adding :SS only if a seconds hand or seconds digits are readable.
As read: 6:40
